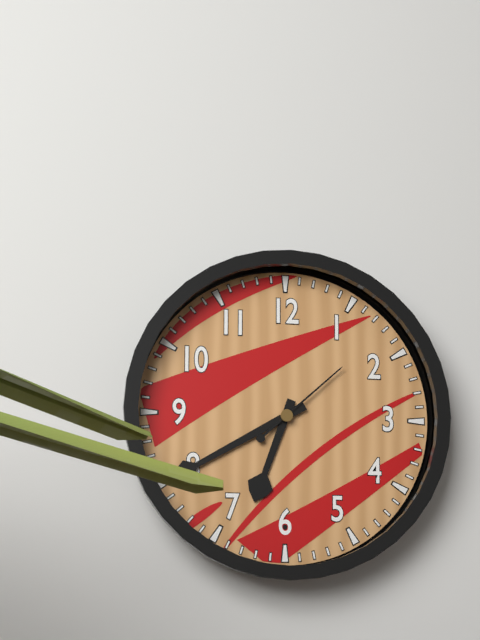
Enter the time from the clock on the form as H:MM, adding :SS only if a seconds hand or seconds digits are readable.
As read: 6:40:08
